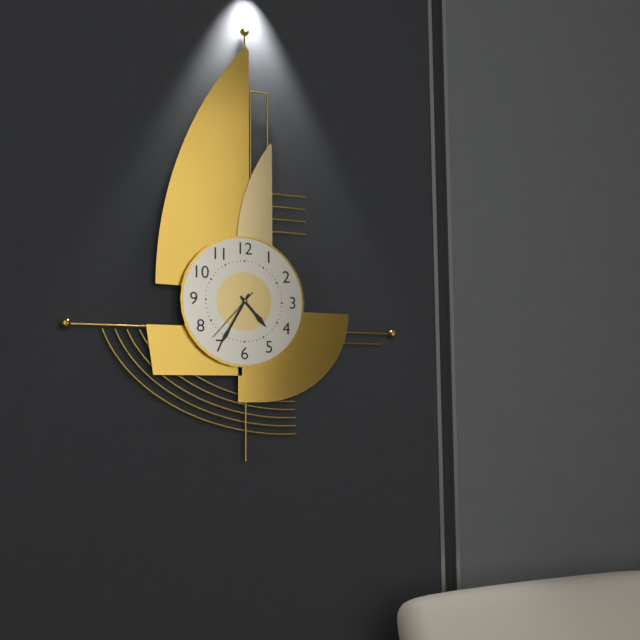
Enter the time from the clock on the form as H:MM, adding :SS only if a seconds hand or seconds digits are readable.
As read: 4:35:37
